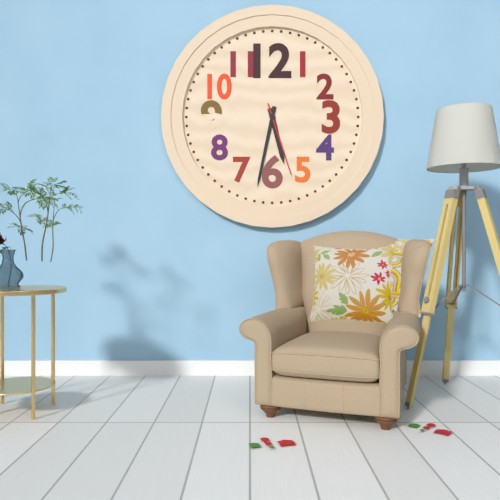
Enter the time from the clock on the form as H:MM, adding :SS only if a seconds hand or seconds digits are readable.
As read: 5:32:27
